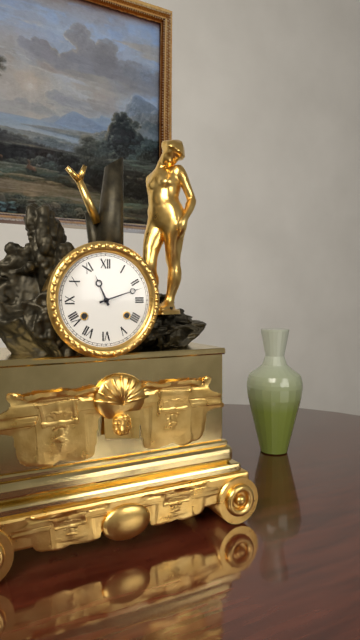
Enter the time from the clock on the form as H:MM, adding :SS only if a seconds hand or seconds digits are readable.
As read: 11:12
